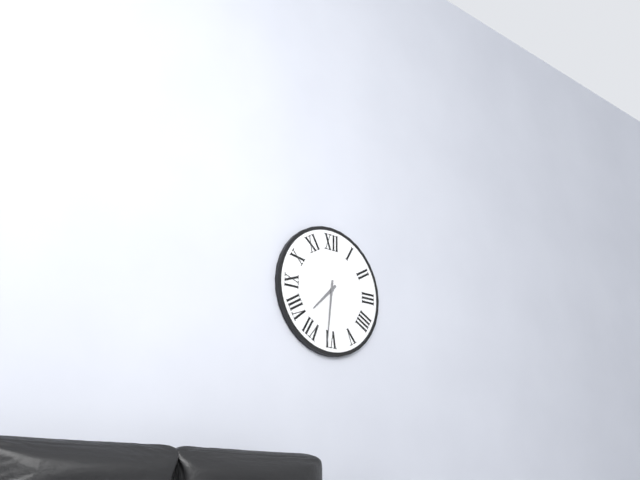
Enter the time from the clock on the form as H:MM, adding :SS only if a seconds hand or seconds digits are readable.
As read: 7:31
